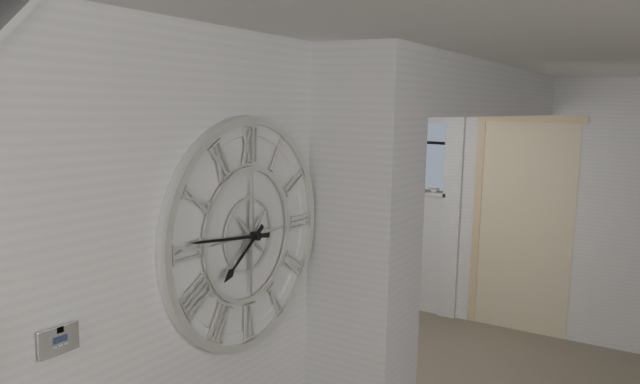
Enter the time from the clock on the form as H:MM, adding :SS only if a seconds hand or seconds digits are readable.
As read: 7:46
